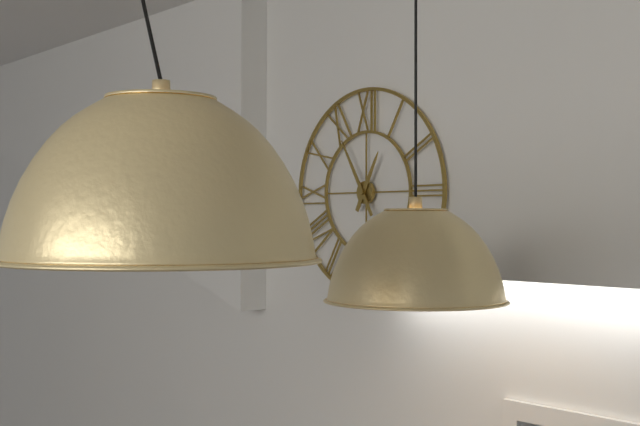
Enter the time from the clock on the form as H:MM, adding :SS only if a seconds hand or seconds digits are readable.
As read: 12:55
